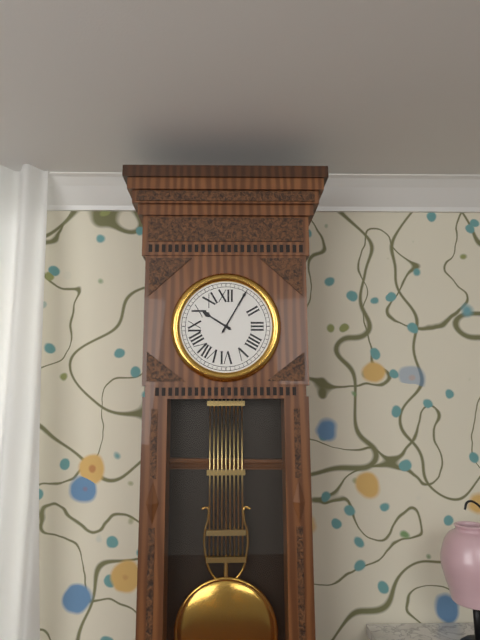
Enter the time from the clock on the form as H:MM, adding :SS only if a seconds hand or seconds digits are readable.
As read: 10:05
